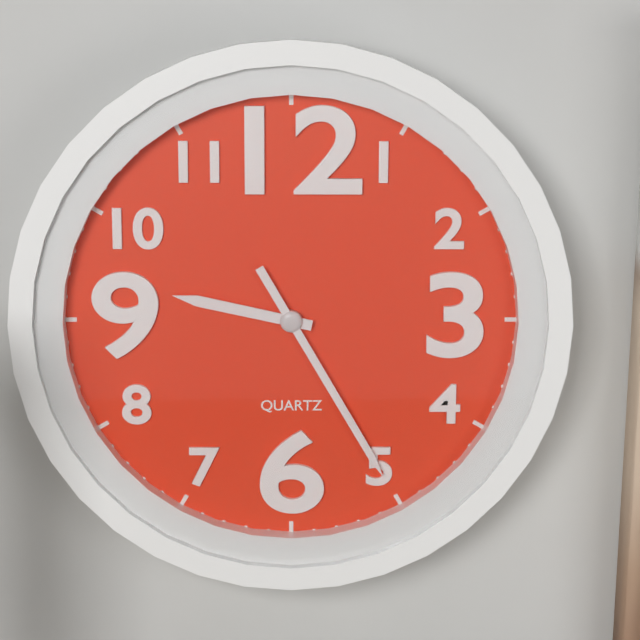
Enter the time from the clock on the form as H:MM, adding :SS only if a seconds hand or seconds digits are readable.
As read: 9:25
